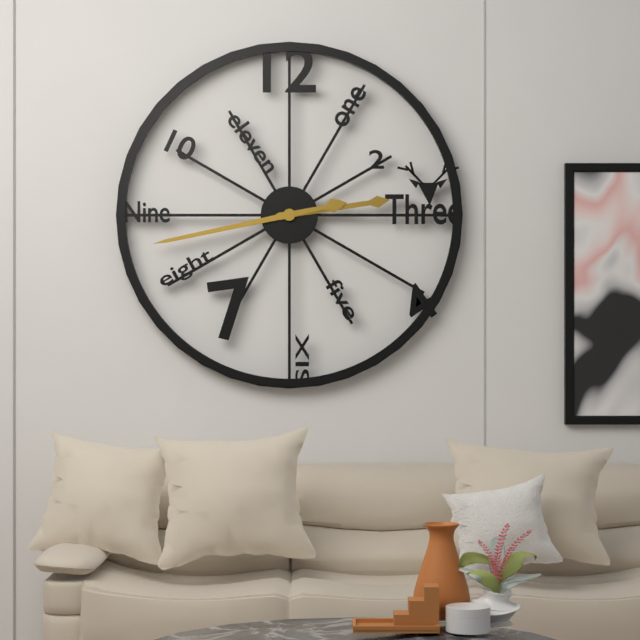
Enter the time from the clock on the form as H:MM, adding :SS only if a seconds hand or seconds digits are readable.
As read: 2:43
